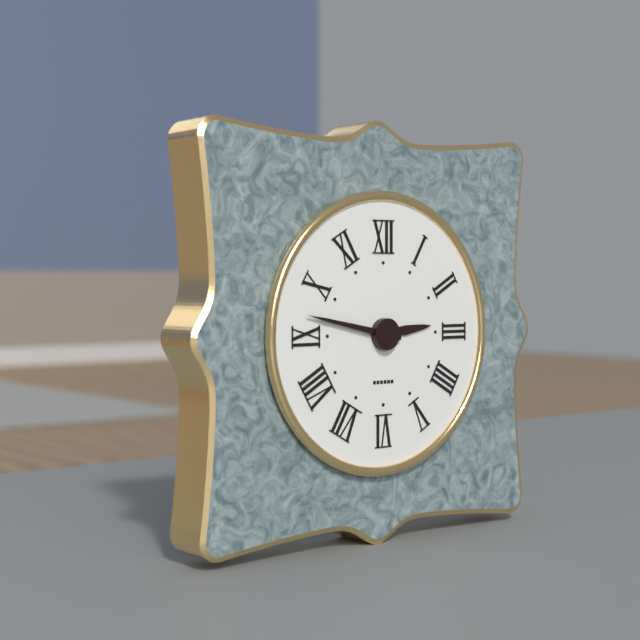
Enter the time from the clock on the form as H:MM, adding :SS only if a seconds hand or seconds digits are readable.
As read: 2:47
